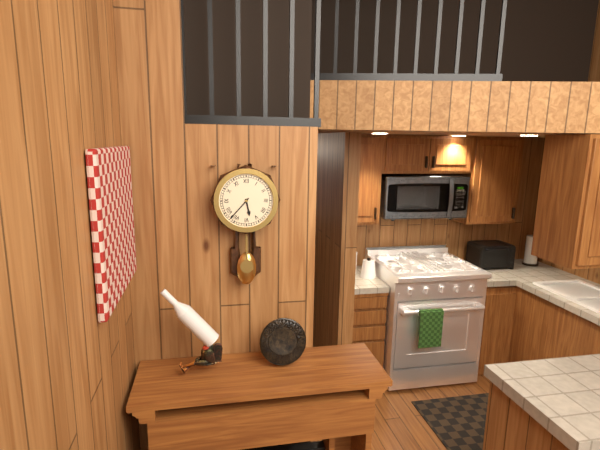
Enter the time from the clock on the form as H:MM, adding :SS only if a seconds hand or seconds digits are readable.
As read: 5:37
